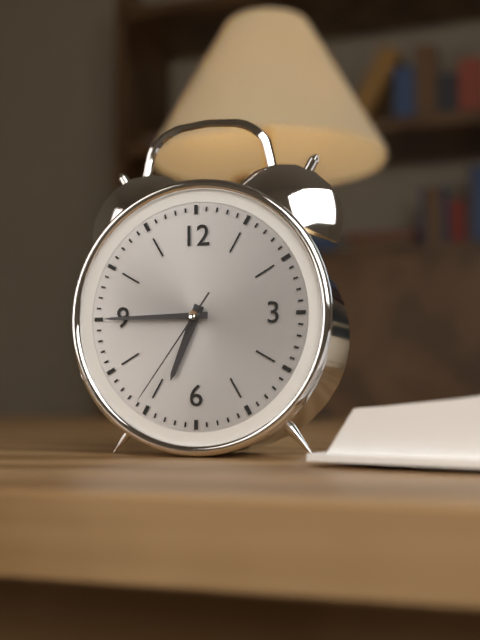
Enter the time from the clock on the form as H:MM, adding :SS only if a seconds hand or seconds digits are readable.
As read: 6:45:36
